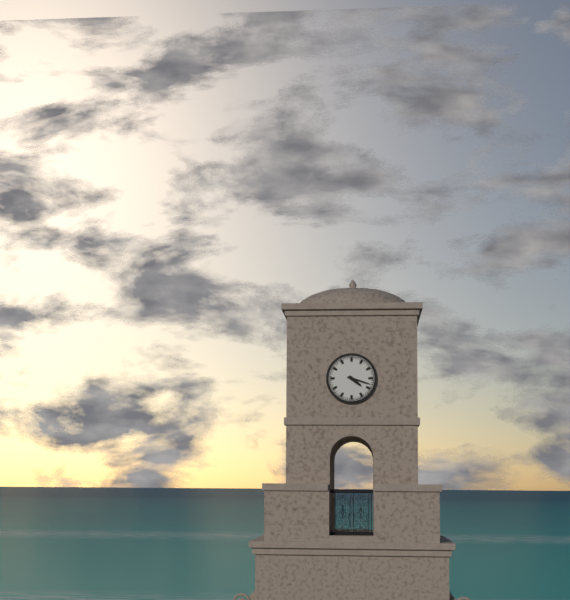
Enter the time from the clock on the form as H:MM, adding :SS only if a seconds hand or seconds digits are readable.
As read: 4:18
